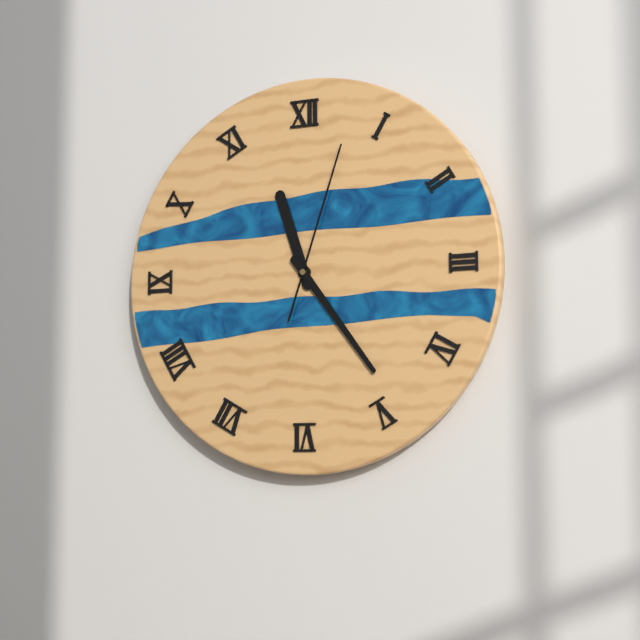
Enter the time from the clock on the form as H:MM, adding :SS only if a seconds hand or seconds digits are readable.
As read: 11:24:03
